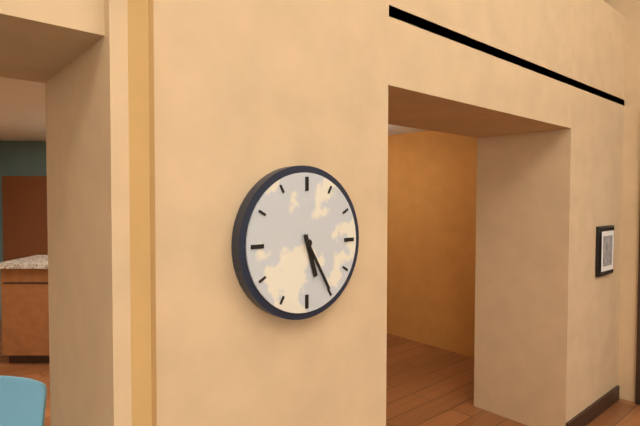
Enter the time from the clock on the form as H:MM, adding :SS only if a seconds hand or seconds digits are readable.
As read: 5:25
